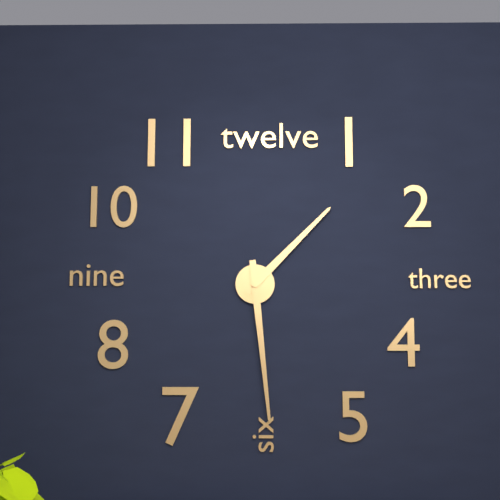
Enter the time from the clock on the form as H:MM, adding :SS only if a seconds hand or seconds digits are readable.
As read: 1:29
